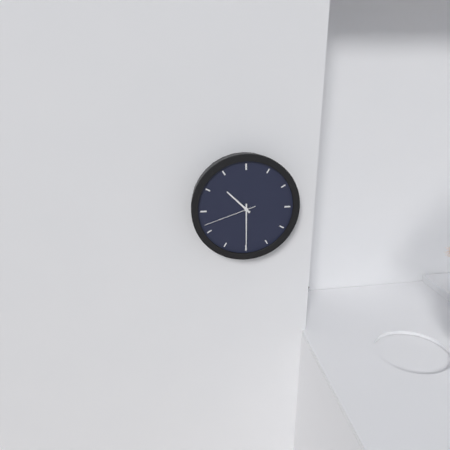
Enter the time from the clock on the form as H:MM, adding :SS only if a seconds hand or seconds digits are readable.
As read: 10:30:42
